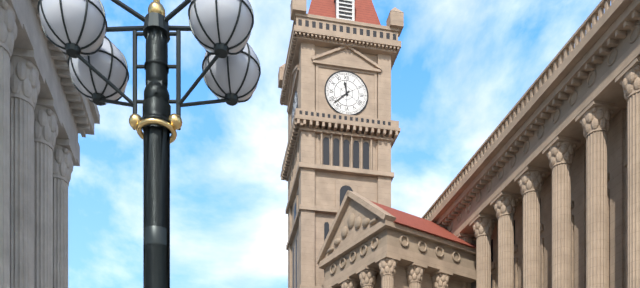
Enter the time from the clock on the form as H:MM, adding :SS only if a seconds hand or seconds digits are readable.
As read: 11:38
